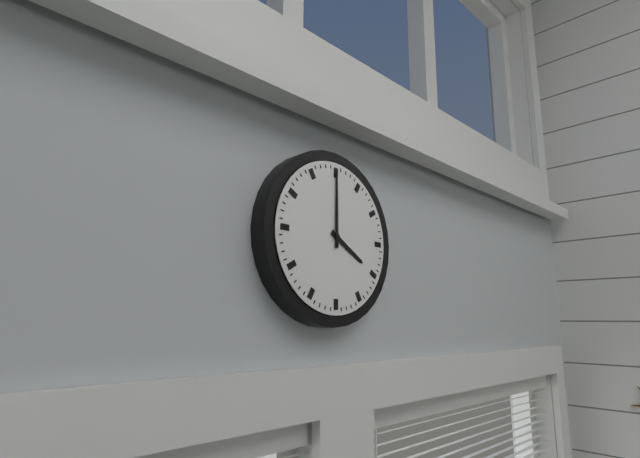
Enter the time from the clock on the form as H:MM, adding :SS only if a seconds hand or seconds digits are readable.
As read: 4:00
